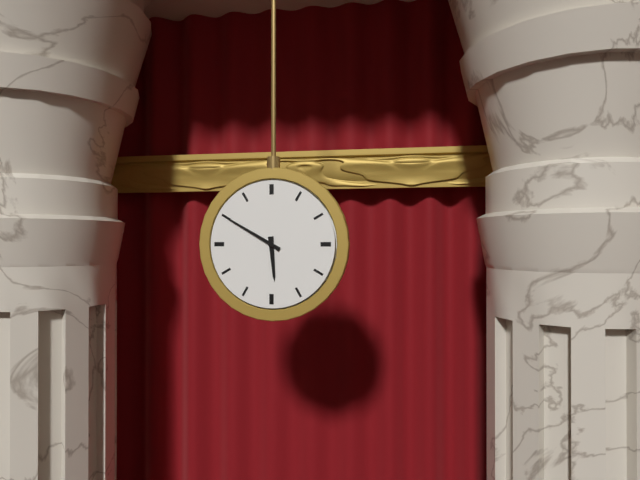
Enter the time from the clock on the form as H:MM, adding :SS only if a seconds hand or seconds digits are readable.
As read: 5:50
